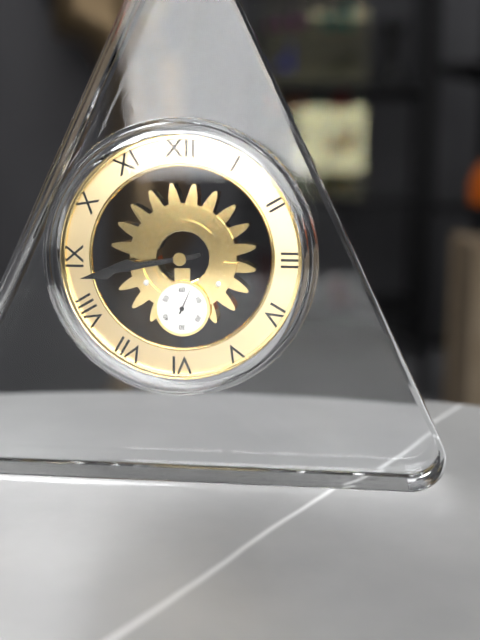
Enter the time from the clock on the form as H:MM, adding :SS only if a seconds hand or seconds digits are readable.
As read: 8:43
